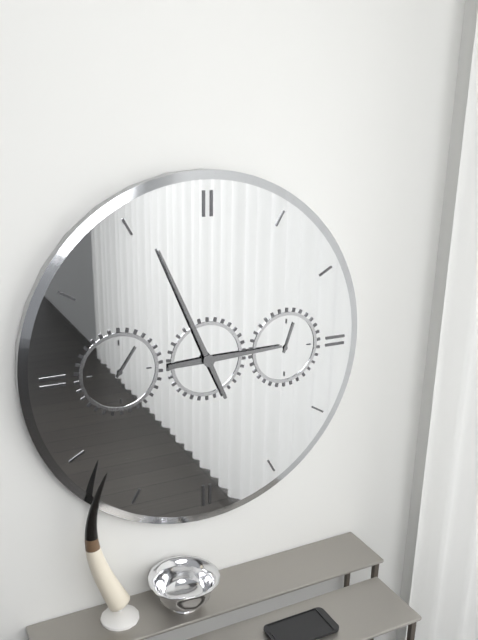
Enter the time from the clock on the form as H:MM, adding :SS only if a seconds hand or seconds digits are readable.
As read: 2:56
